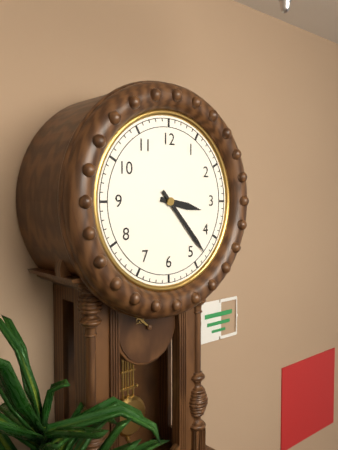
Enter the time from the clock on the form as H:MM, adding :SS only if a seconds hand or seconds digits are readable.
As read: 3:23
